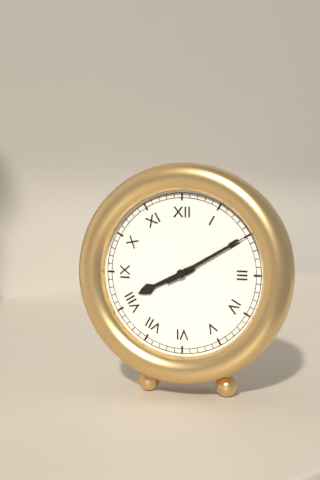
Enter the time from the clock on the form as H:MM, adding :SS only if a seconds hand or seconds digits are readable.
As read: 8:10
